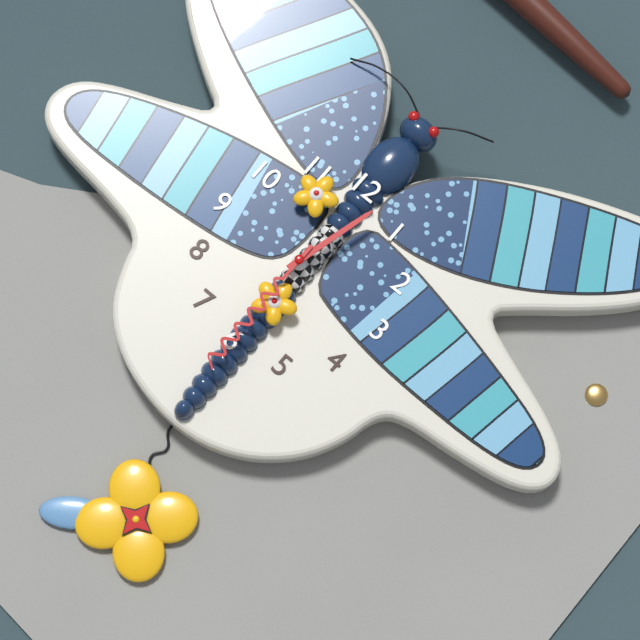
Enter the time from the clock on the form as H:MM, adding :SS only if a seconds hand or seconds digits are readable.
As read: 12:30
